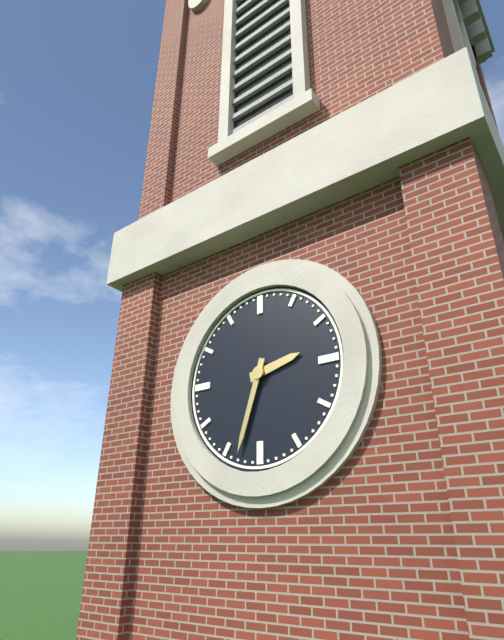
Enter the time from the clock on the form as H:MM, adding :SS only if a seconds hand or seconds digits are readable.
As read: 2:33
